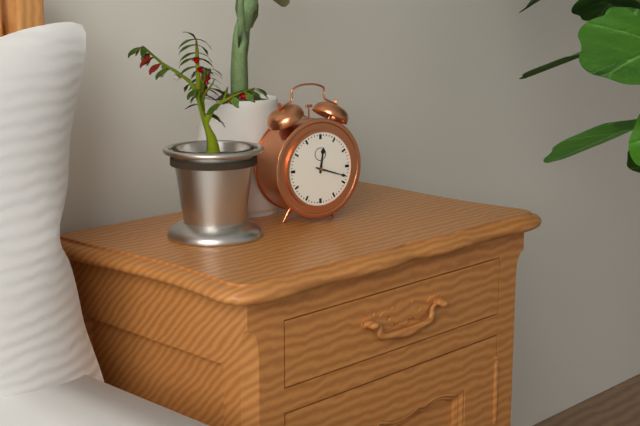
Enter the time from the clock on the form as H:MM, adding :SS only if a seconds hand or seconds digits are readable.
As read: 12:18
